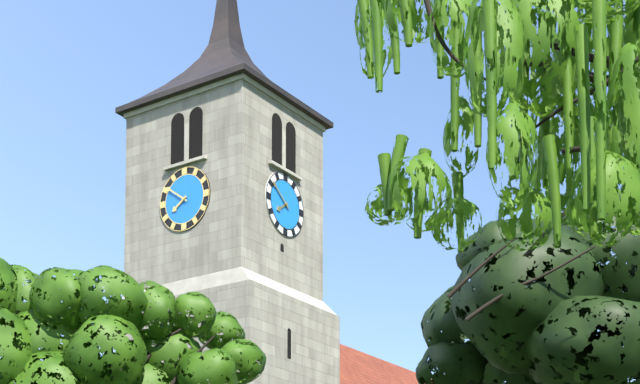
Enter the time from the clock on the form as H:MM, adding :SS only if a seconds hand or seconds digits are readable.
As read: 7:51
